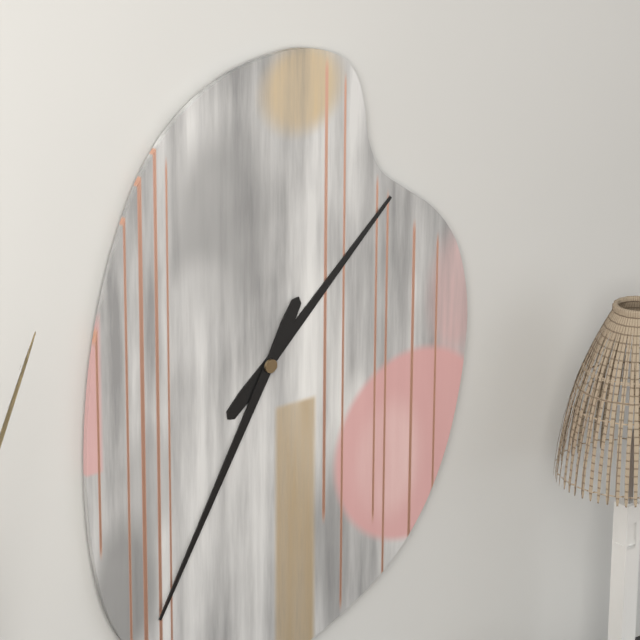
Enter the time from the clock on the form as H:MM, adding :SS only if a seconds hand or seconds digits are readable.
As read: 1:35
